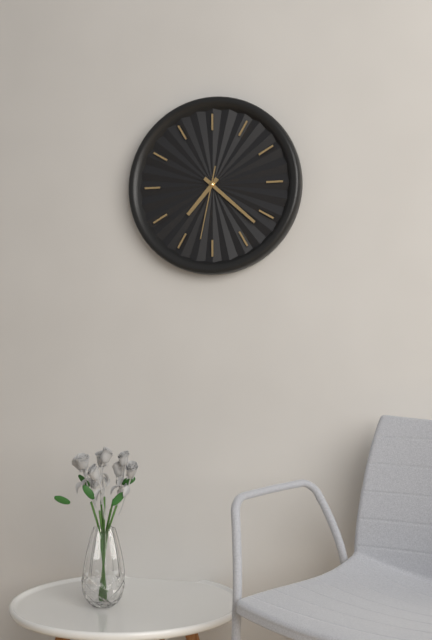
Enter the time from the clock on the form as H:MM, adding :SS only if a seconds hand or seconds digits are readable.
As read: 7:22:32
